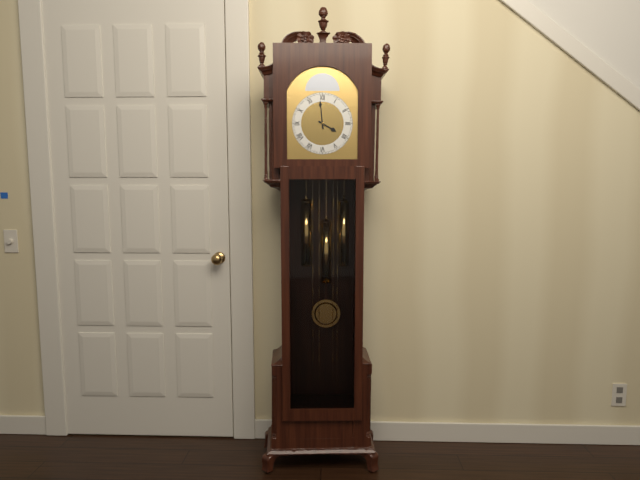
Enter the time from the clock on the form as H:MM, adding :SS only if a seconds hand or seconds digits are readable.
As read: 3:59
